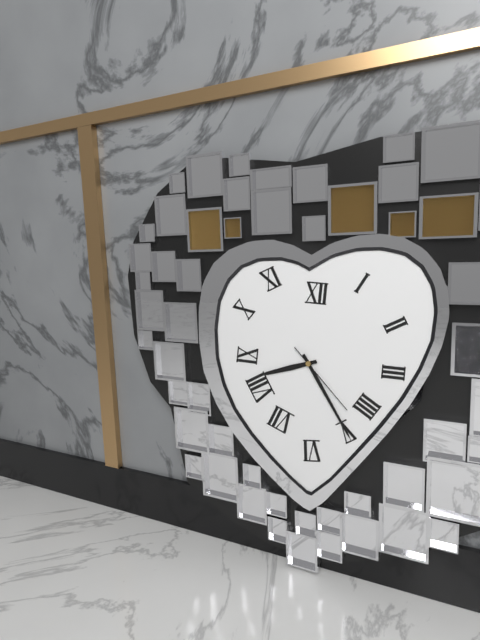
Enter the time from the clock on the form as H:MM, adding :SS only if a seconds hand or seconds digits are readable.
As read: 8:25:23
